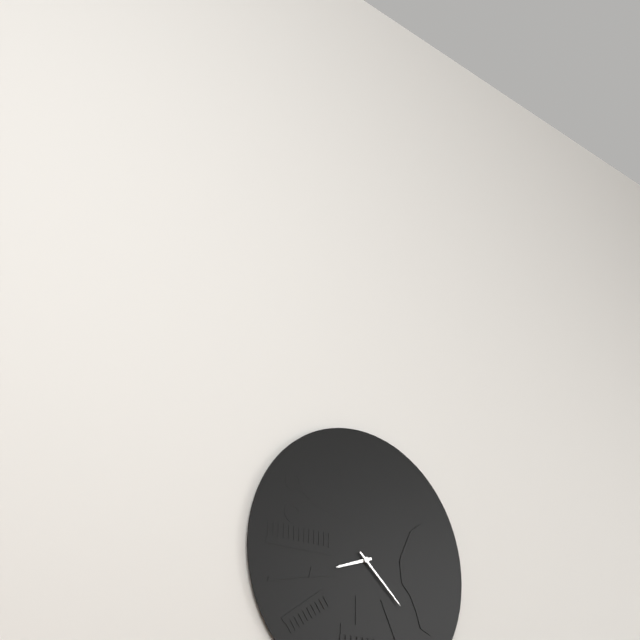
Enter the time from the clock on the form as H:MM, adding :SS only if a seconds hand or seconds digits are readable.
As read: 8:22
